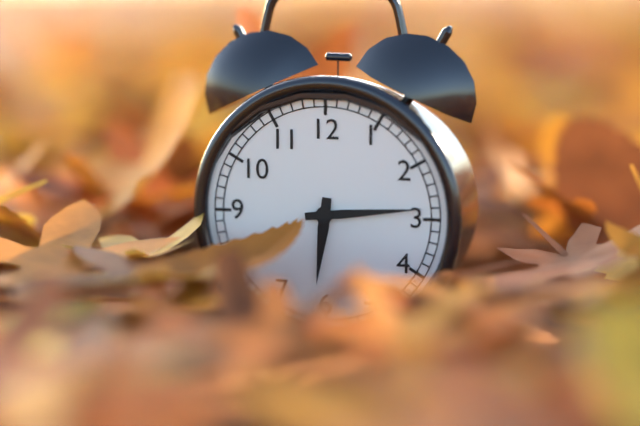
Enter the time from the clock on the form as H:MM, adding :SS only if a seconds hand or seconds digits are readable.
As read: 6:14
